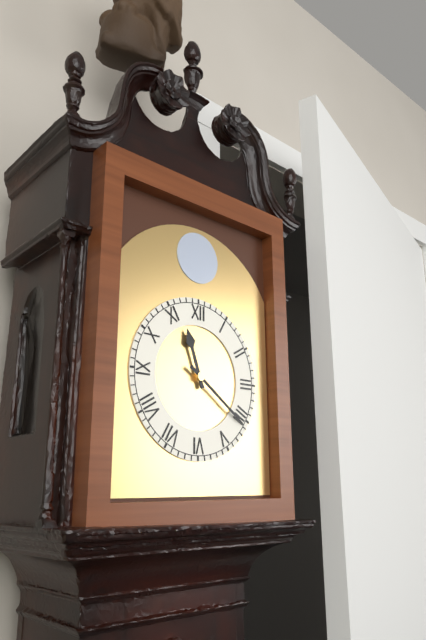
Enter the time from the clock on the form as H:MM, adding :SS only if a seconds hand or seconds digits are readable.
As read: 11:21
